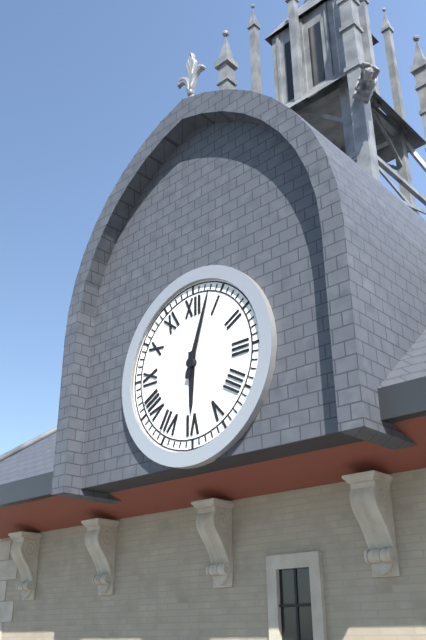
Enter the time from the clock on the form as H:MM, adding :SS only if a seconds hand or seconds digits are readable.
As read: 6:03
